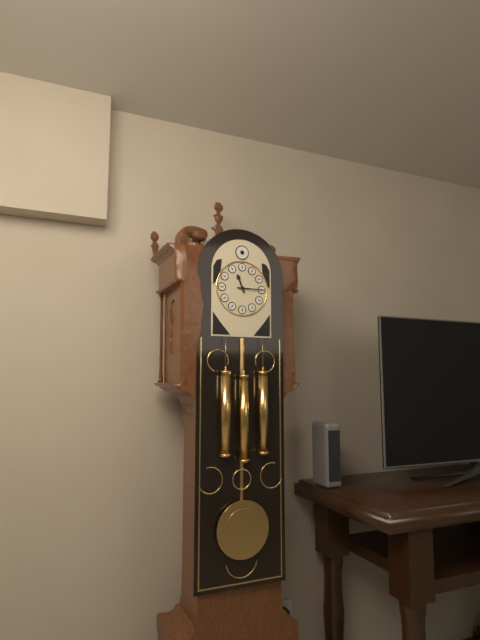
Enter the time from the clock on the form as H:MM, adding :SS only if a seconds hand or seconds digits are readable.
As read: 11:15
